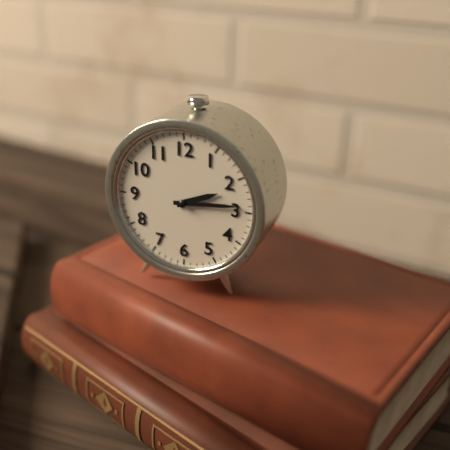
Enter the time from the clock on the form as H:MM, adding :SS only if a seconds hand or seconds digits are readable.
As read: 2:14
